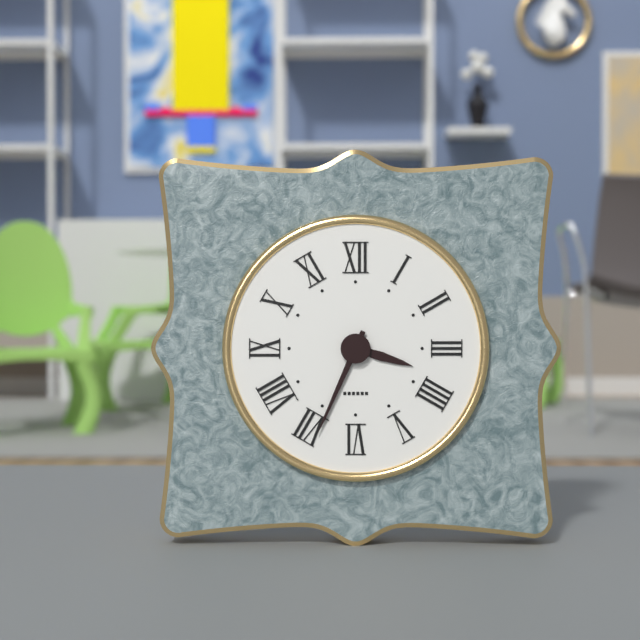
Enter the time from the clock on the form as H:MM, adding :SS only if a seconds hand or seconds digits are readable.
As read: 3:34
